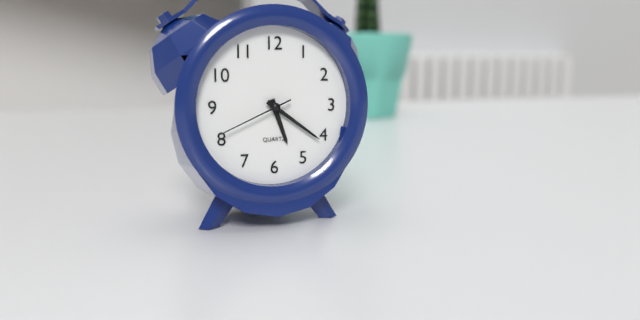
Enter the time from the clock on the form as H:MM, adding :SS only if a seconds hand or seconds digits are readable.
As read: 5:21:41
